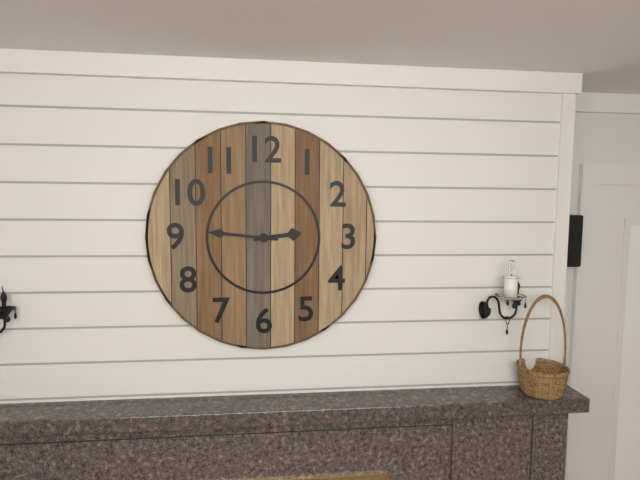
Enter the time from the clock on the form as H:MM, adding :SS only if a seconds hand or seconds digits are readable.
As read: 2:46
